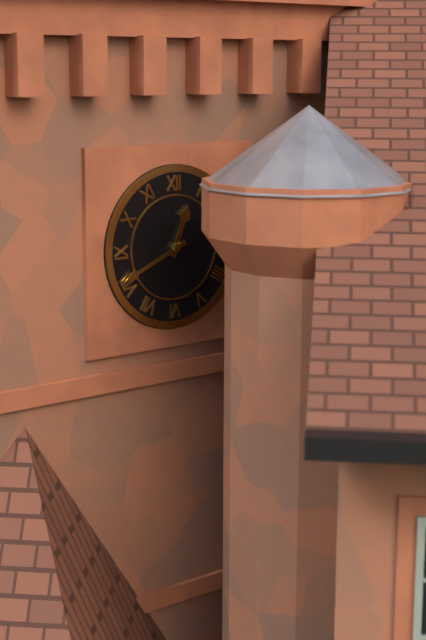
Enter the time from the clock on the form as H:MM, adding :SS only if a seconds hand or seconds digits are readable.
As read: 12:41
